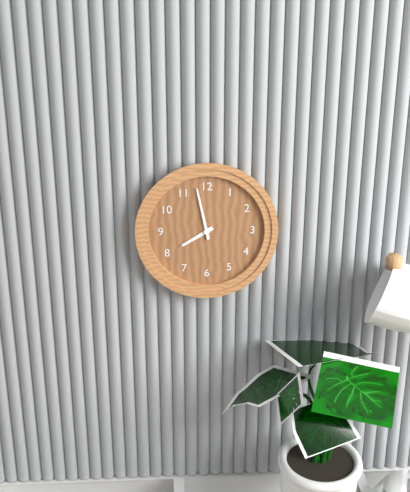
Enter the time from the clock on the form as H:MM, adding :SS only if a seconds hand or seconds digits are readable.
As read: 7:58
